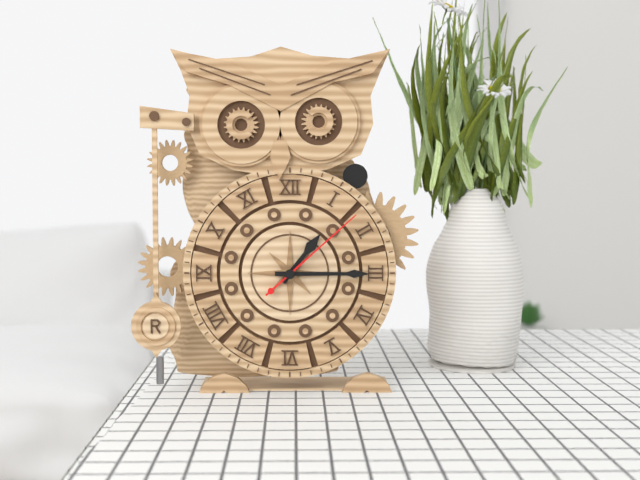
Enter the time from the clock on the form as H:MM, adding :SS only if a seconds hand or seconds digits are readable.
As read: 1:15:08
